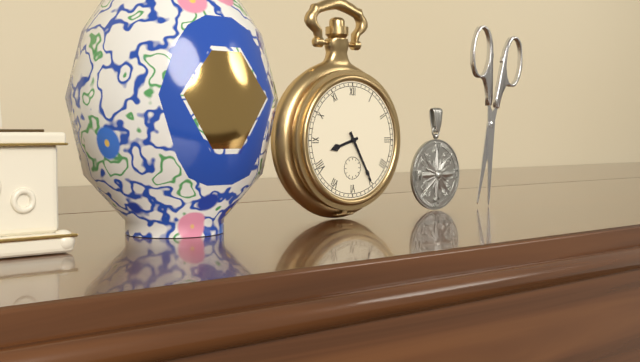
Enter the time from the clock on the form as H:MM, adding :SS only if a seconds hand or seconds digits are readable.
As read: 8:25
